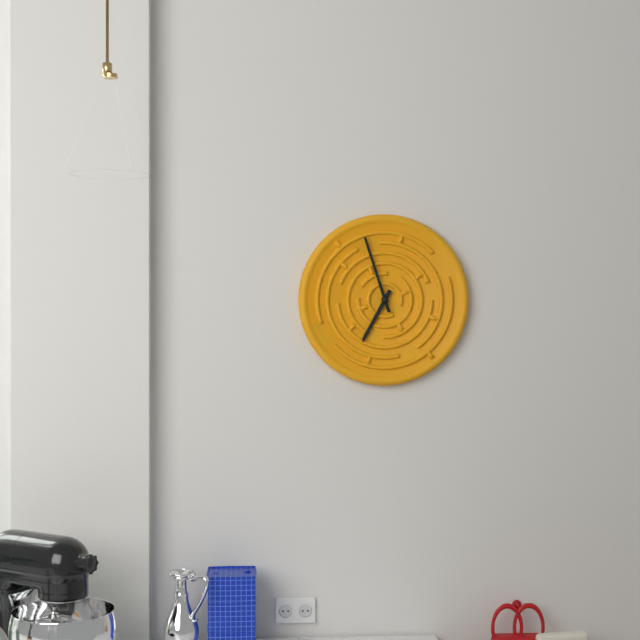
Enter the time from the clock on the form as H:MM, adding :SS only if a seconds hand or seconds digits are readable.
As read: 6:57
